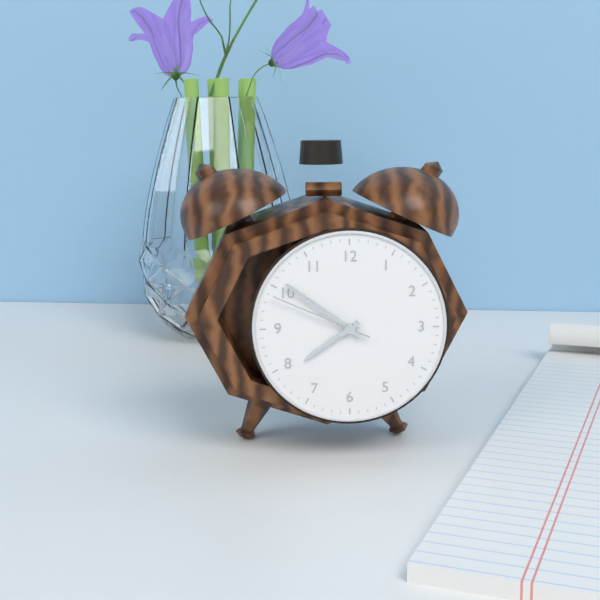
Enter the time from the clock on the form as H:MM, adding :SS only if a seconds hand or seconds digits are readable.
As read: 7:51:49
